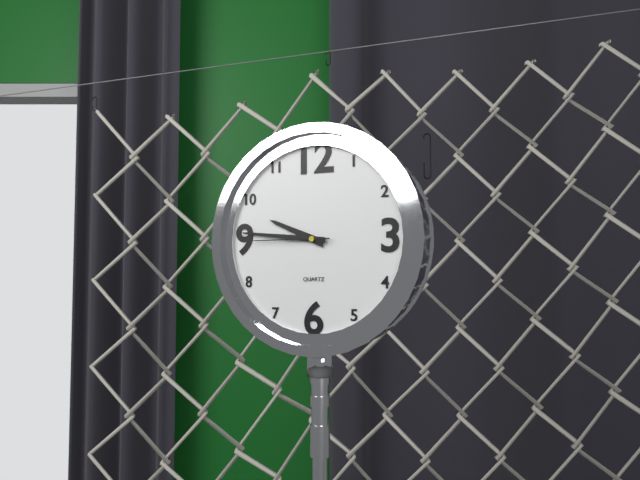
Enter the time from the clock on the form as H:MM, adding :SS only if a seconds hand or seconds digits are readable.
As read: 9:46:45
